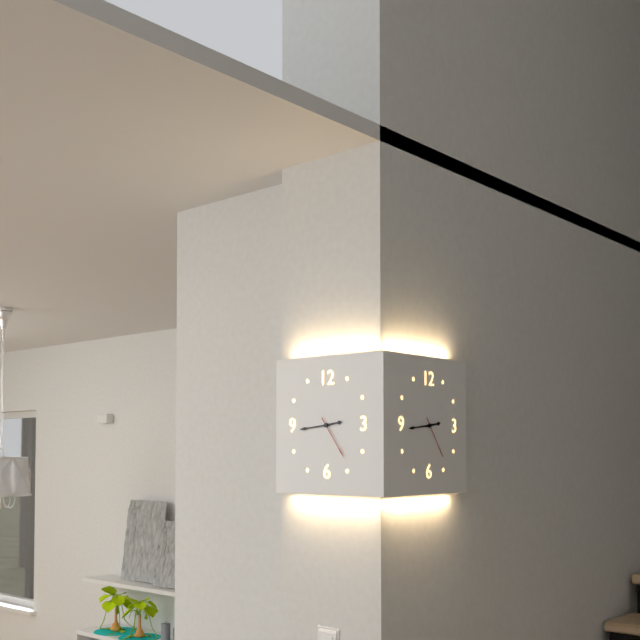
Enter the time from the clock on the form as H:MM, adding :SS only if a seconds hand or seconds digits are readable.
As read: 2:44
